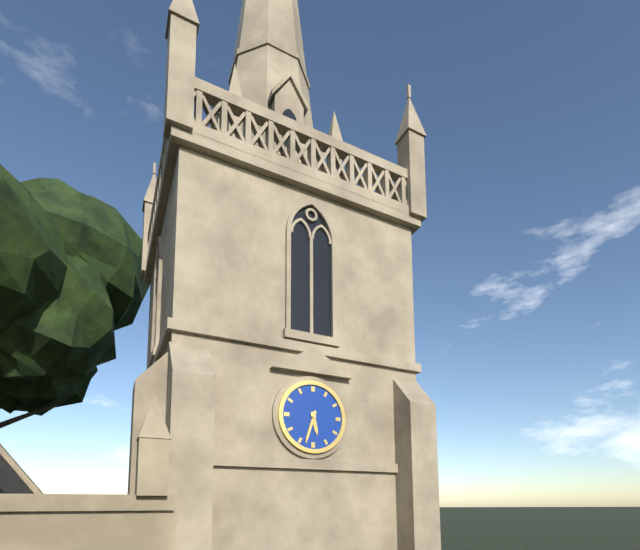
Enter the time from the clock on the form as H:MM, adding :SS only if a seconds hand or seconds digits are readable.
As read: 5:33
